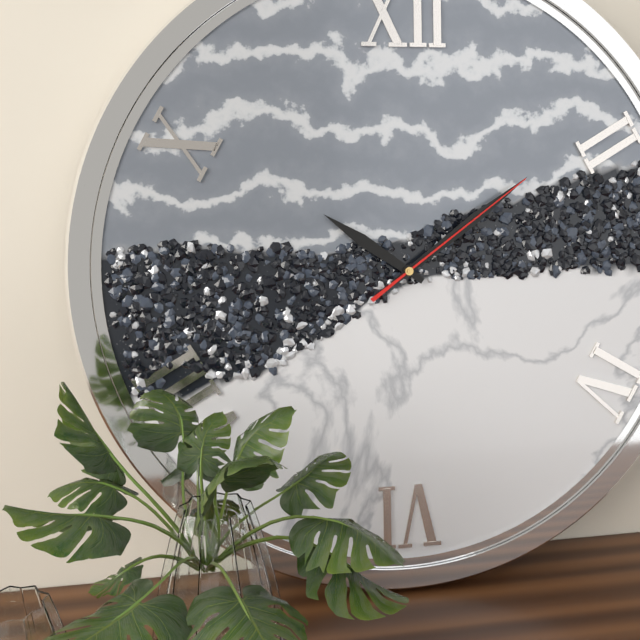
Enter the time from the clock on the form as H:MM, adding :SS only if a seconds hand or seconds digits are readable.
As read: 10:09:09
